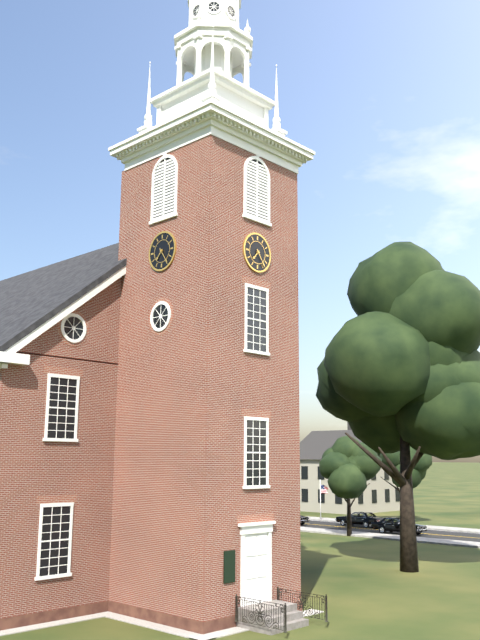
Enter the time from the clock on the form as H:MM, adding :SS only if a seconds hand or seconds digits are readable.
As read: 7:24
